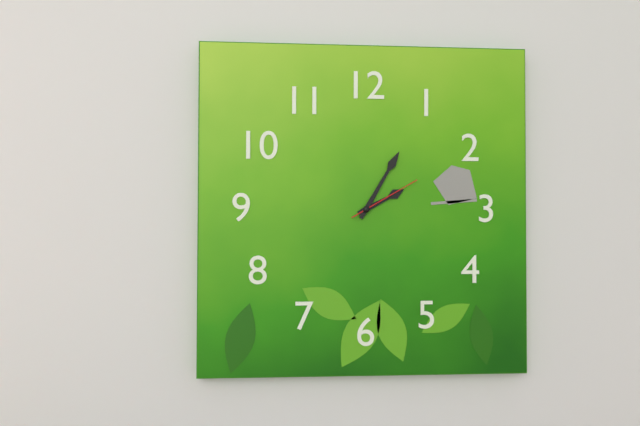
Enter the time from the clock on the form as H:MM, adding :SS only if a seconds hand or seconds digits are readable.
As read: 2:05:10
